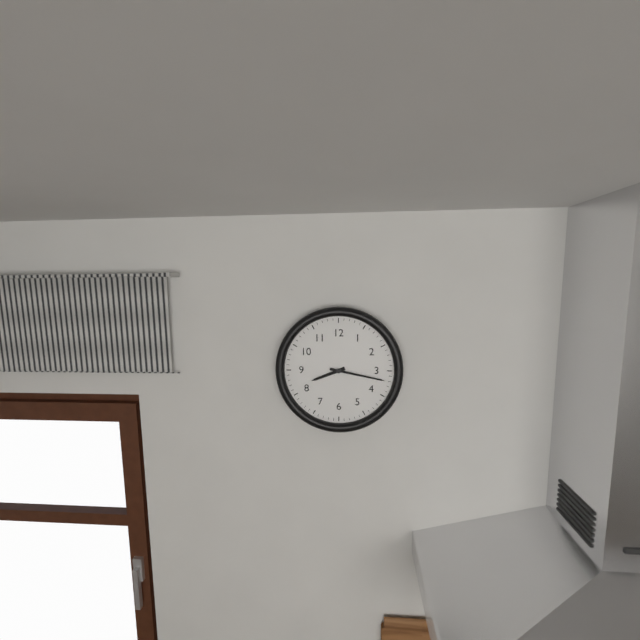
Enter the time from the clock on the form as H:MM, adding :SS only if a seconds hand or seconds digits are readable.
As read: 8:17
